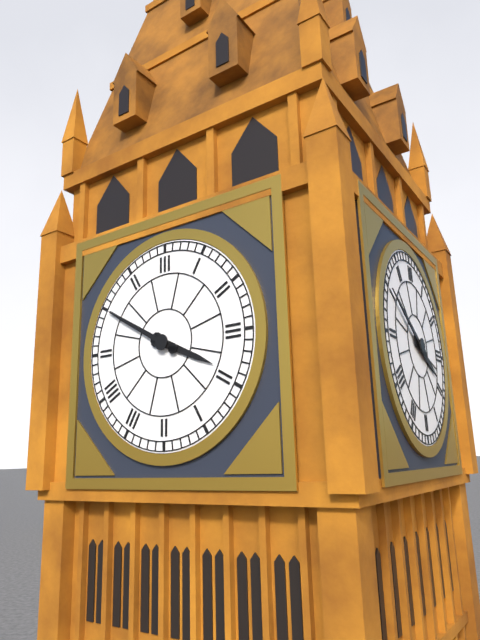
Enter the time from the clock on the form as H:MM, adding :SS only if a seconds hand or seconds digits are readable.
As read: 3:50
